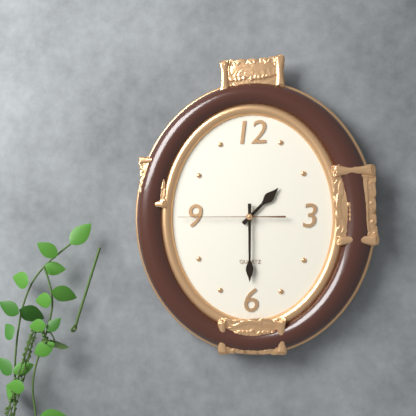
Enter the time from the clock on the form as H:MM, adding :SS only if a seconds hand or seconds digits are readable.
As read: 1:30:45
